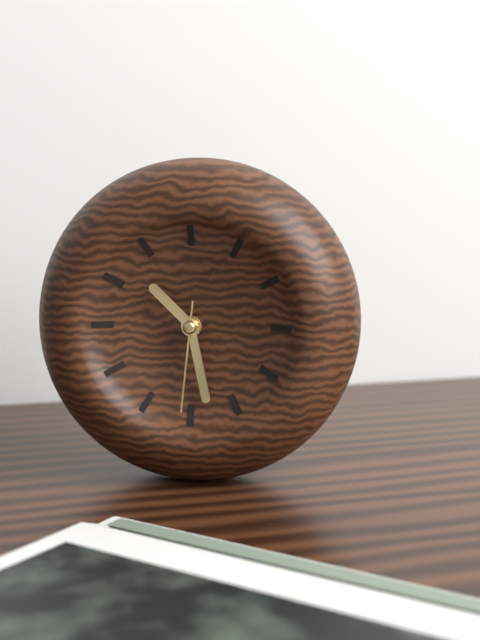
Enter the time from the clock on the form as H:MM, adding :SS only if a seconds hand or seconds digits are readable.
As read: 10:28:31
